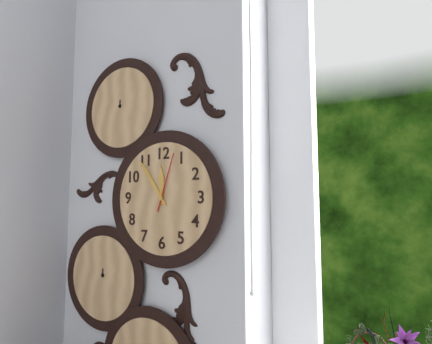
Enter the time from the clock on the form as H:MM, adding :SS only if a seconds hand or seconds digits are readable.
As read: 11:54:03
